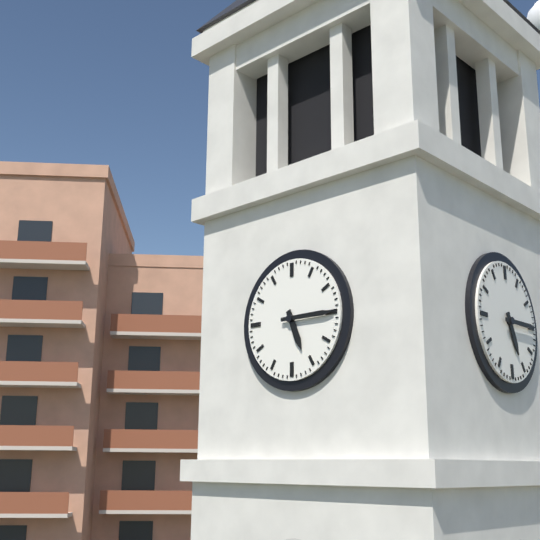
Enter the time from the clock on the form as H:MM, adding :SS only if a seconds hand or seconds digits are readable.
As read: 5:15
